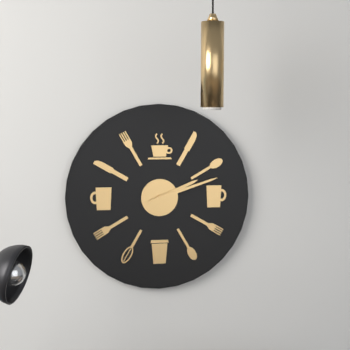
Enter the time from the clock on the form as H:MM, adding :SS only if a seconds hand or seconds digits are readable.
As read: 2:12
